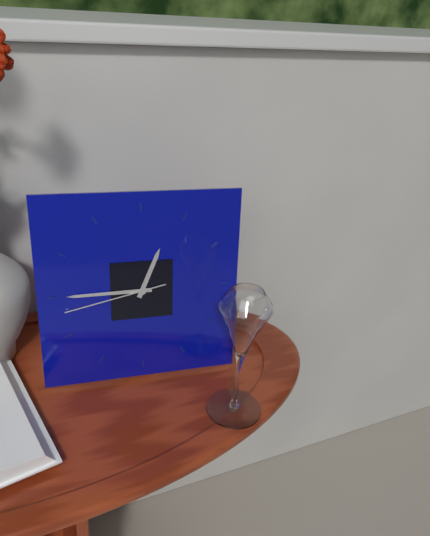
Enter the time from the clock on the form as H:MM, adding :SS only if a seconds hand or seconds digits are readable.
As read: 12:45:43
